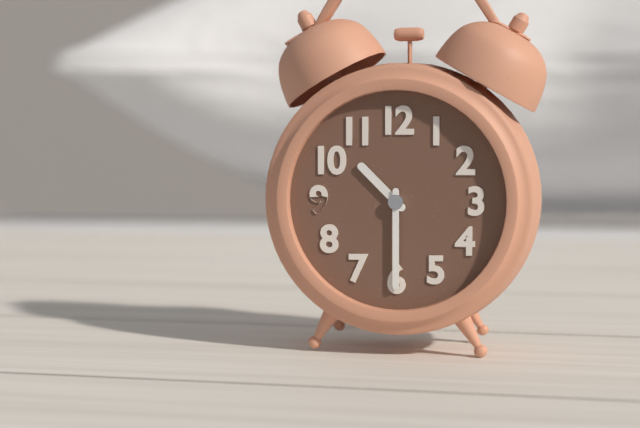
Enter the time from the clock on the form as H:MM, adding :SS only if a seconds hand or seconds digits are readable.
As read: 10:30
